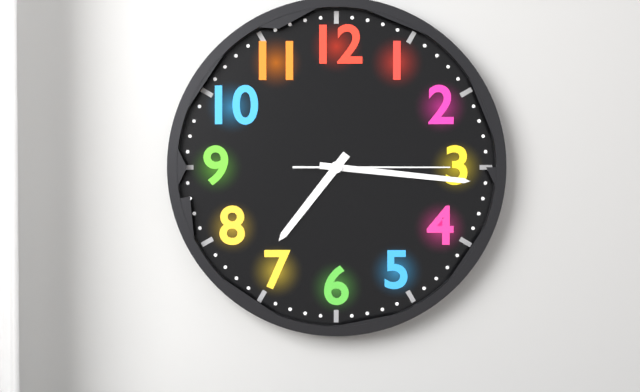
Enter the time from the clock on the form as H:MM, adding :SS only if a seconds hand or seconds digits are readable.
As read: 7:16:15
